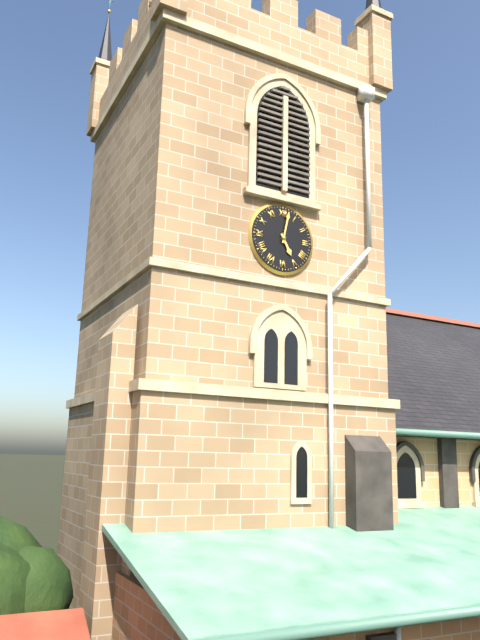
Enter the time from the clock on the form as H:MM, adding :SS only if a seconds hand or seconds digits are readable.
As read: 5:02
